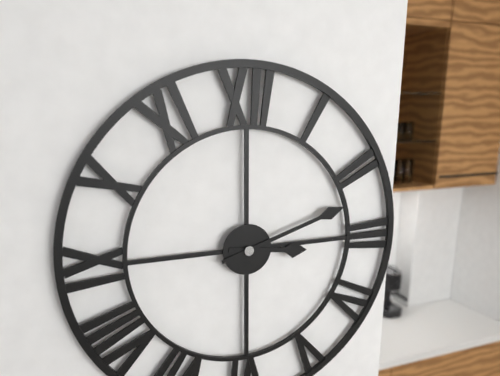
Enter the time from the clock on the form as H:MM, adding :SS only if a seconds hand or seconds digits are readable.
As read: 3:12
